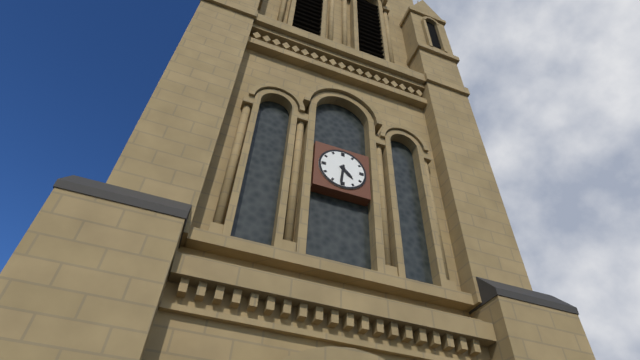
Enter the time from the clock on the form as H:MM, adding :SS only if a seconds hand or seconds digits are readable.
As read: 4:31
